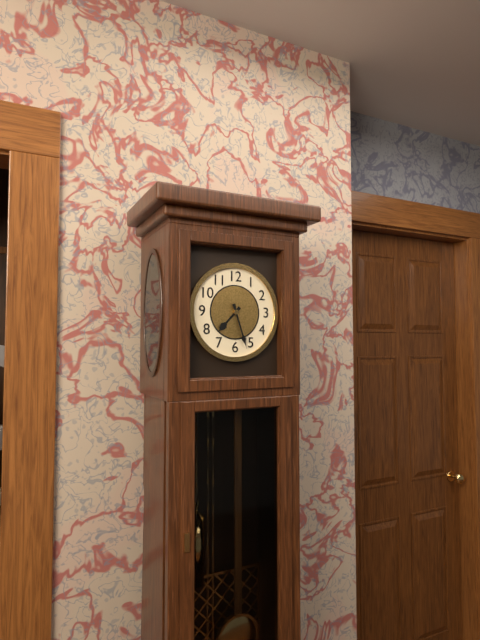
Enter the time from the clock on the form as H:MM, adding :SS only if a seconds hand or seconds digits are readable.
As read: 7:27
